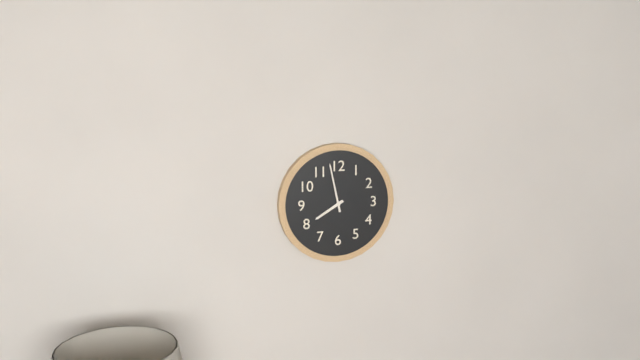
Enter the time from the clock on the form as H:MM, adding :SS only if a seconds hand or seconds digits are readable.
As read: 7:58
